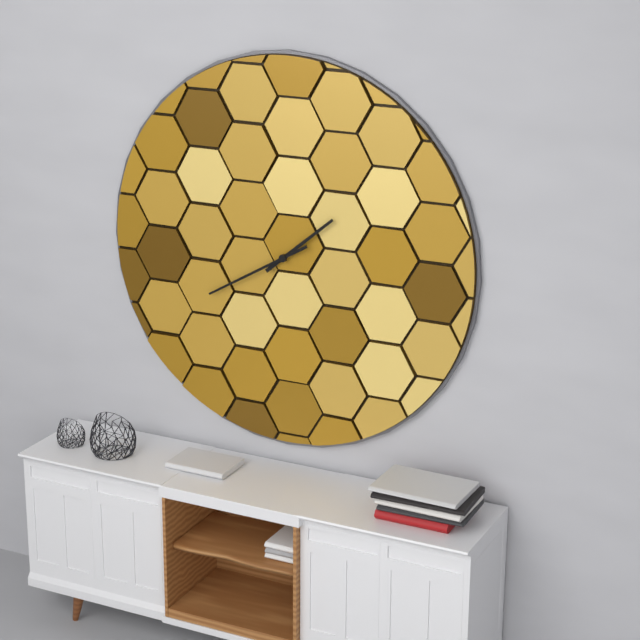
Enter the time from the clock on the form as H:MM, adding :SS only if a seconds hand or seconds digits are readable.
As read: 1:40
